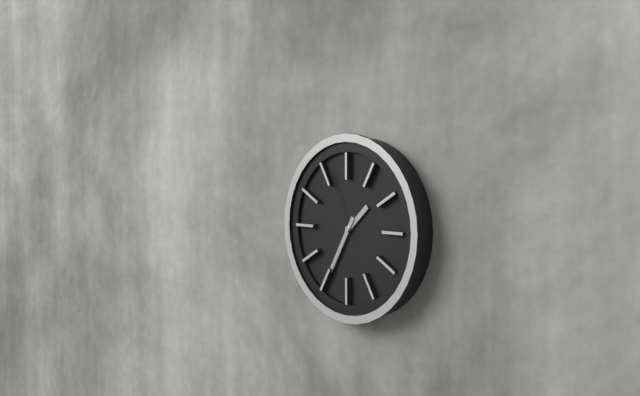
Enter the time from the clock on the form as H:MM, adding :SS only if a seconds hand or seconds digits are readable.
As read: 1:35:56
